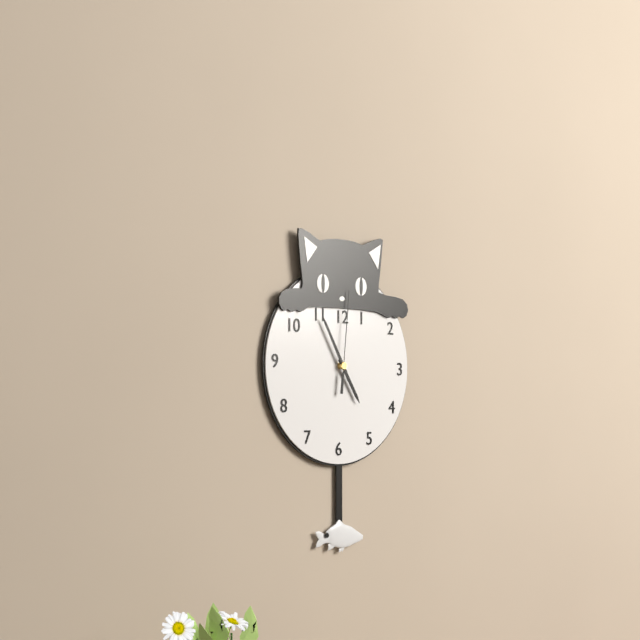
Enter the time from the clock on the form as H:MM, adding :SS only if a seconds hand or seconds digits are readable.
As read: 4:55:01
